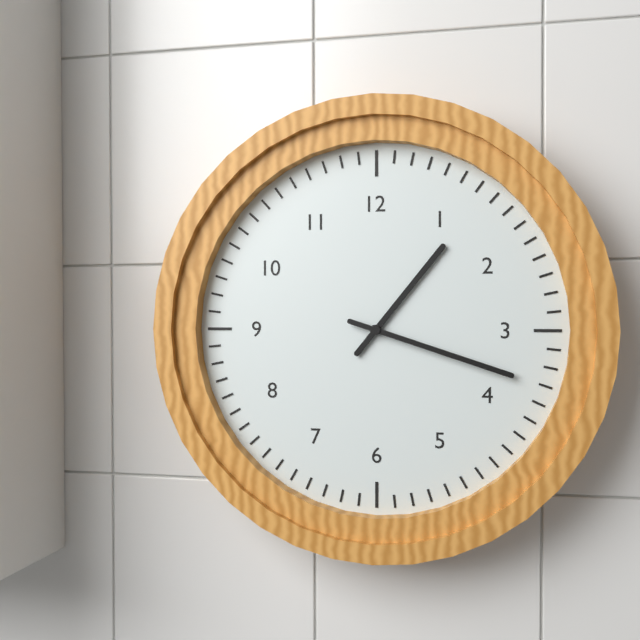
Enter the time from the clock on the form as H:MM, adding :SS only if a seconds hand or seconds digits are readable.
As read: 1:18
